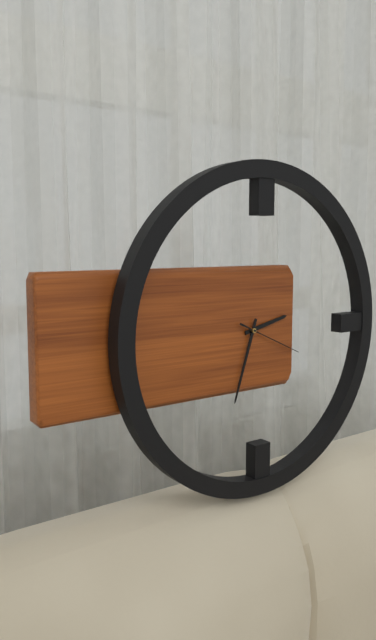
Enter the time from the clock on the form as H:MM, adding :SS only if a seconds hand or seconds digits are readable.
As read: 2:33:19
